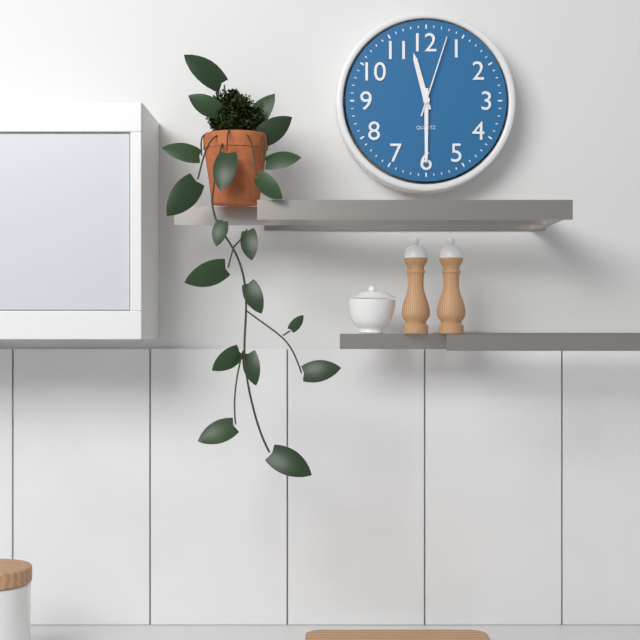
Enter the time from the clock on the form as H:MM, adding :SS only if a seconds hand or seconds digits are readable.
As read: 11:30:03
